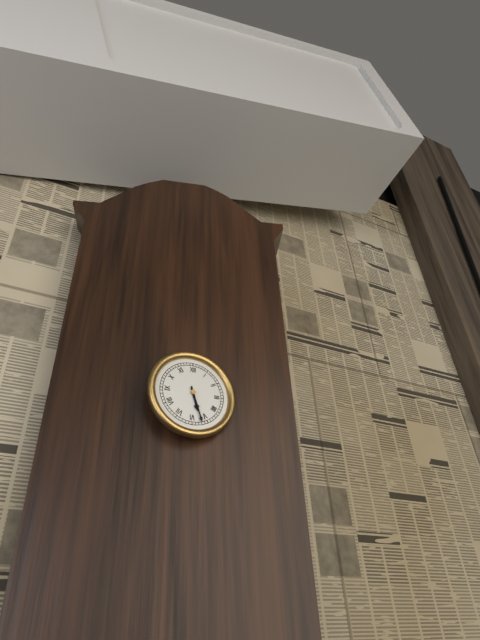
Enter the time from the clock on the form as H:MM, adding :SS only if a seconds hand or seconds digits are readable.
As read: 5:27
